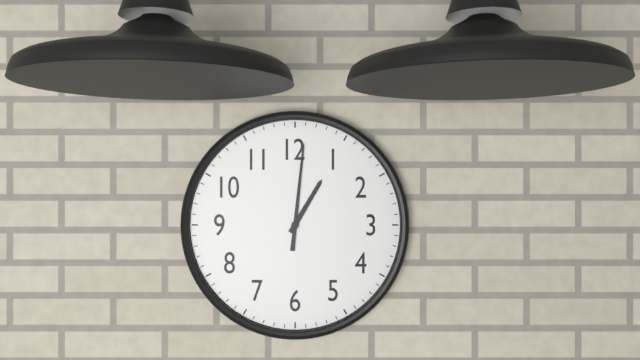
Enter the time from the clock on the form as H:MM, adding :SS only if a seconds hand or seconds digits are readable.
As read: 1:01
